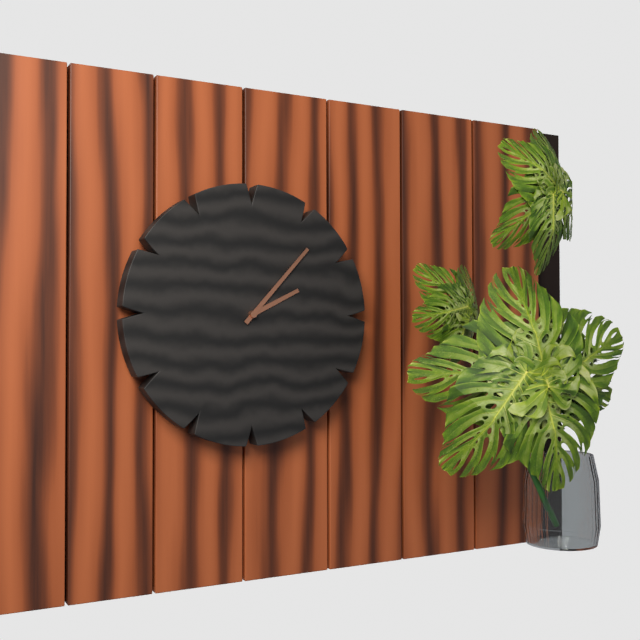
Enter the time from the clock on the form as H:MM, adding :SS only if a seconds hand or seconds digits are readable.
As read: 2:07
